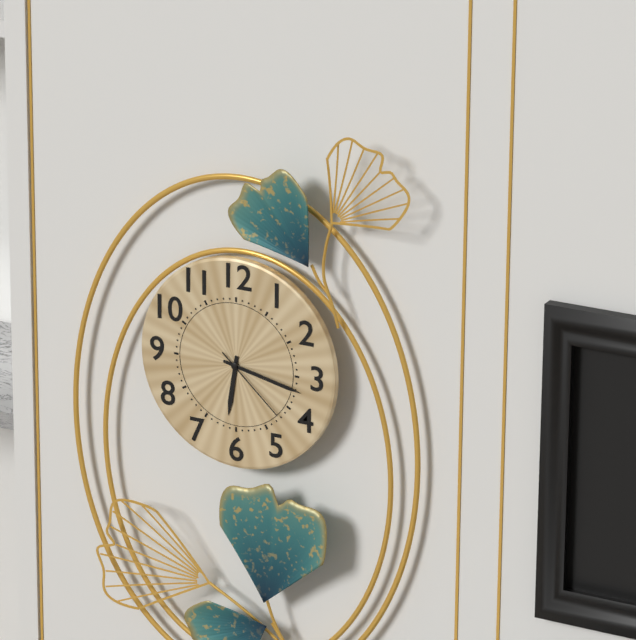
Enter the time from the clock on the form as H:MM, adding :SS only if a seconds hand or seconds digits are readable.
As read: 6:17:22
